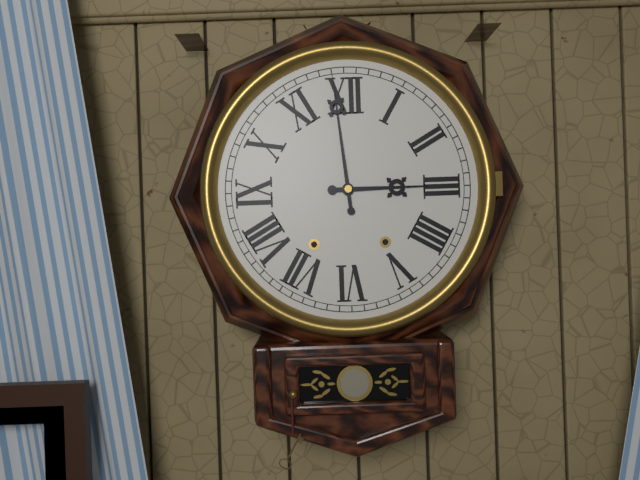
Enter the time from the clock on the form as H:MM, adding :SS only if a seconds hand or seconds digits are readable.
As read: 2:59
